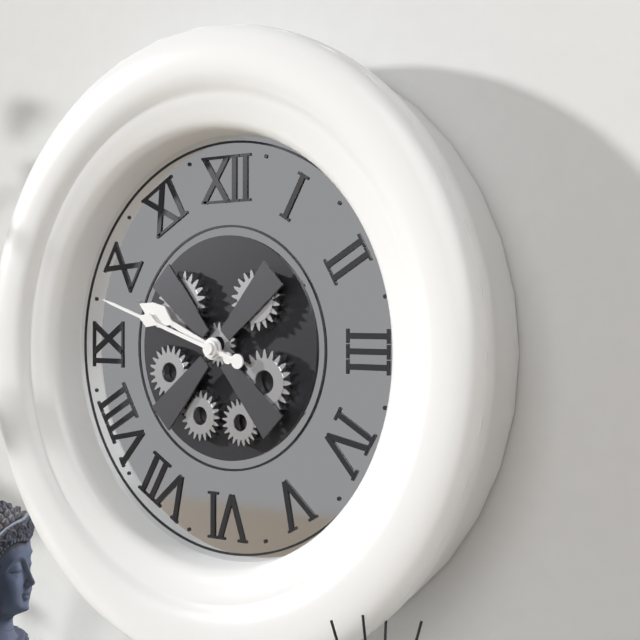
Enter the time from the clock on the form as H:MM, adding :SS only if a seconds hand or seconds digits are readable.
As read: 9:48
